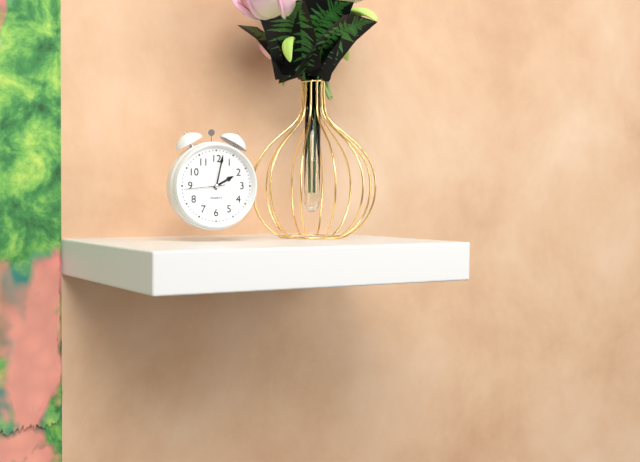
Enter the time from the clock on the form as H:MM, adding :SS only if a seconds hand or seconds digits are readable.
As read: 2:02
